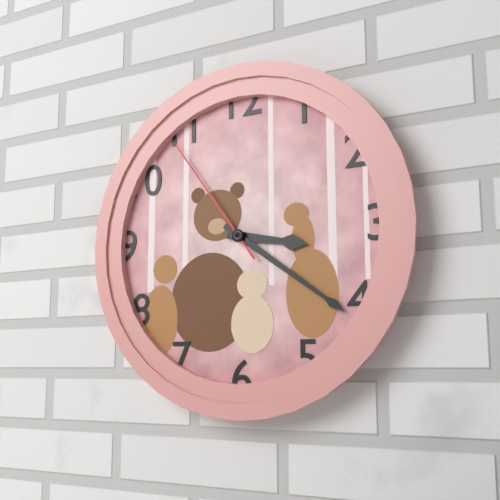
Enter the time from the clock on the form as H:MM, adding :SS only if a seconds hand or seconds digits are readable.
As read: 3:21:54
